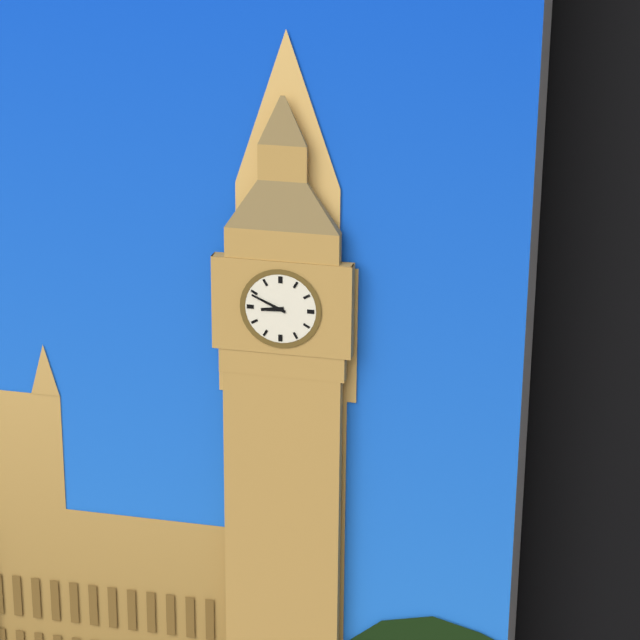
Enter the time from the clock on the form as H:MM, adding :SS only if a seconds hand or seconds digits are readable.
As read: 8:49
